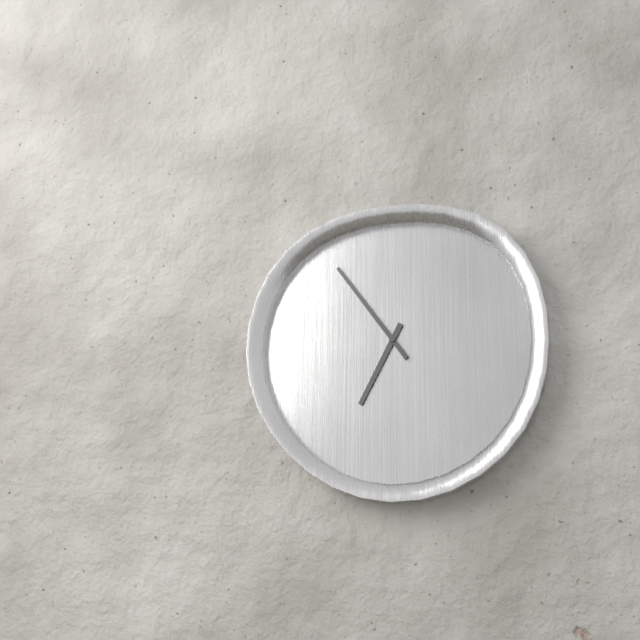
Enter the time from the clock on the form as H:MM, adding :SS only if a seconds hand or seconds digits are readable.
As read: 6:54
